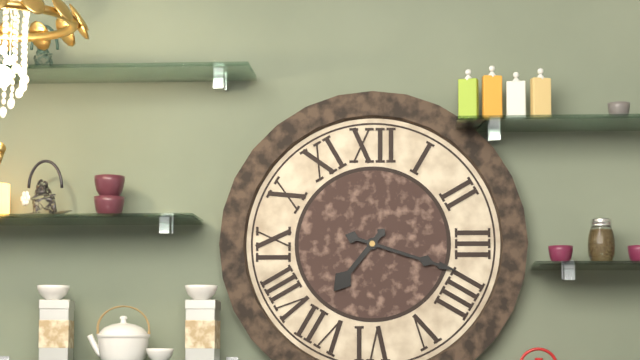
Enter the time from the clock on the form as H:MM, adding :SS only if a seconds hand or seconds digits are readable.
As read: 7:18
